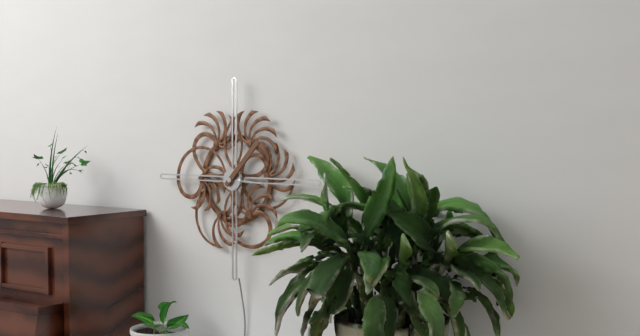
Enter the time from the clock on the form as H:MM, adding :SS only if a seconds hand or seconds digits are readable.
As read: 3:07
